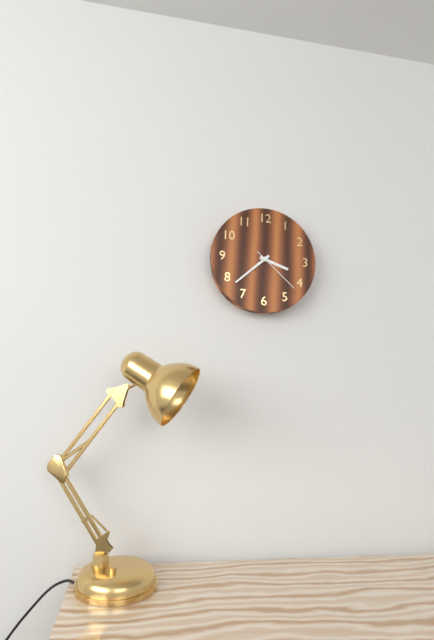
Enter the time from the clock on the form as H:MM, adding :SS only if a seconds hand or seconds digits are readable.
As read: 3:38:22
